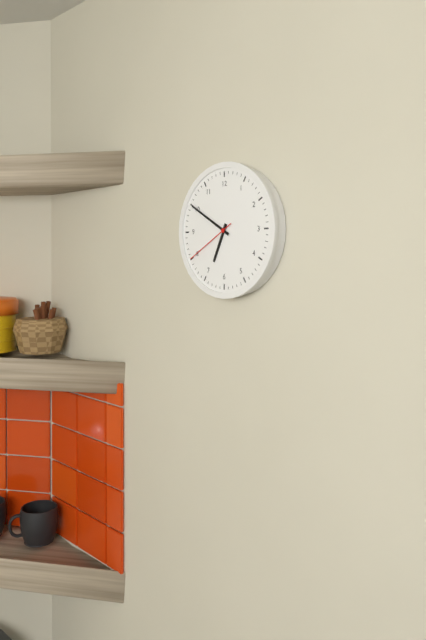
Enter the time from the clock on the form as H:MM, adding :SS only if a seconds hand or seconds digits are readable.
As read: 6:50:40
